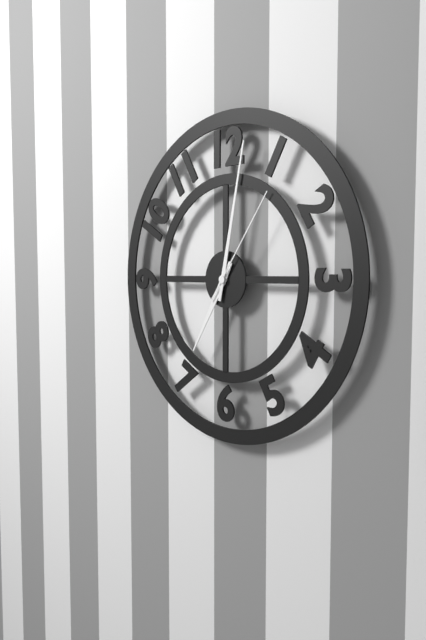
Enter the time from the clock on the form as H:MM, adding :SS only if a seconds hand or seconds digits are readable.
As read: 7:02:06
